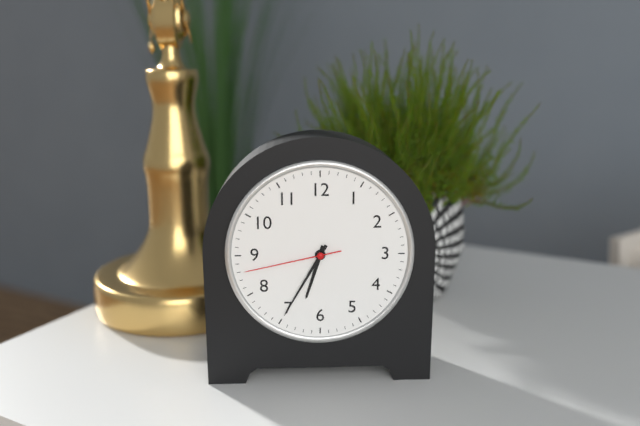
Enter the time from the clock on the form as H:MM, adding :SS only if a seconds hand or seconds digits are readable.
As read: 6:35:43
